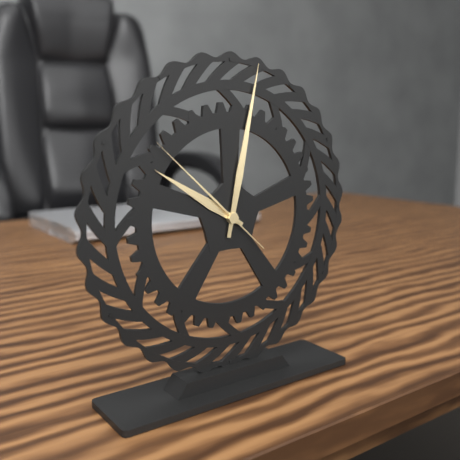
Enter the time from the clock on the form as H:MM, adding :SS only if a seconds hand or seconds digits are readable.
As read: 10:02:52
